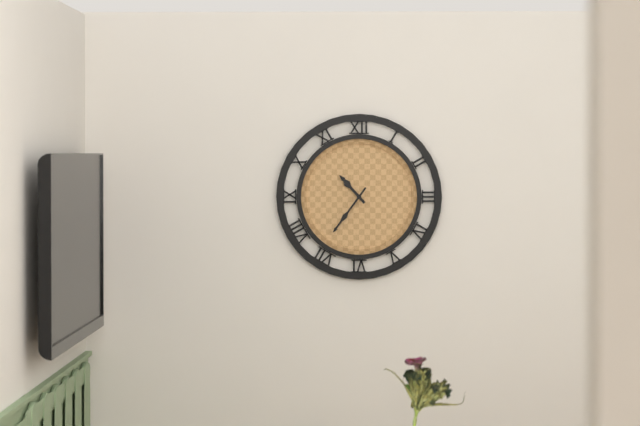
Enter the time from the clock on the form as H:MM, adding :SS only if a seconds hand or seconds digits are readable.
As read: 10:36
